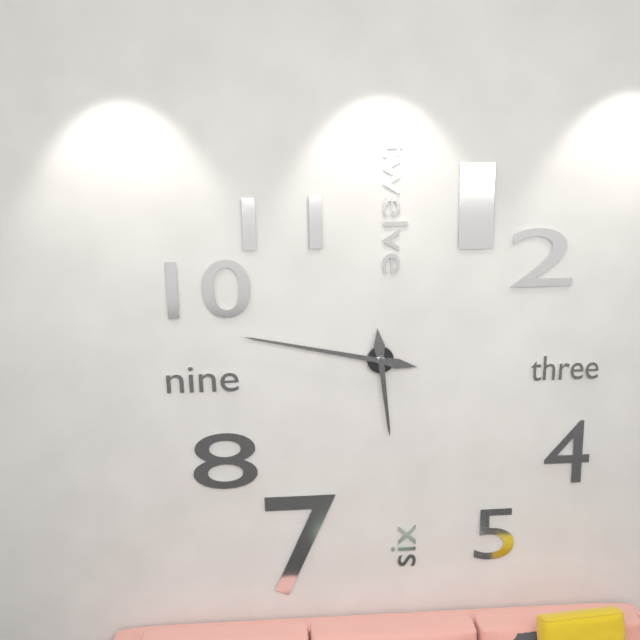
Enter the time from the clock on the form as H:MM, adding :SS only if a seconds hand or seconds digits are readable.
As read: 5:47
